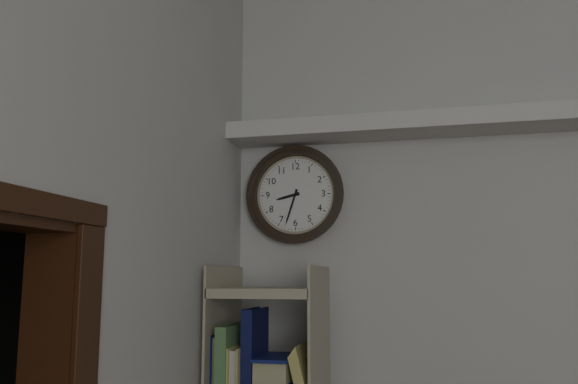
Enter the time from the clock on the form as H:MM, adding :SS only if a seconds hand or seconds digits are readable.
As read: 8:33
